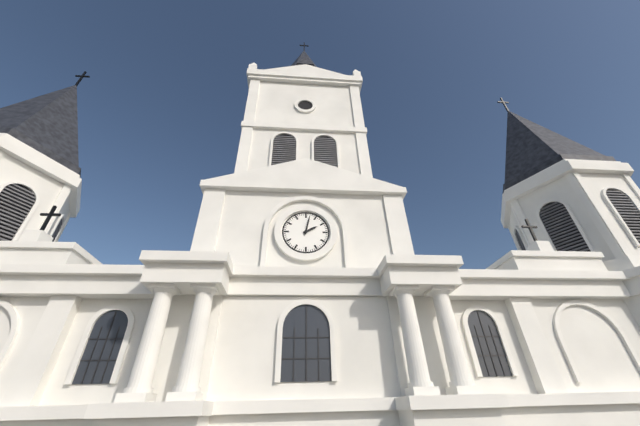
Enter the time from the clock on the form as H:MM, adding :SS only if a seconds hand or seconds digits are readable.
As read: 2:02
